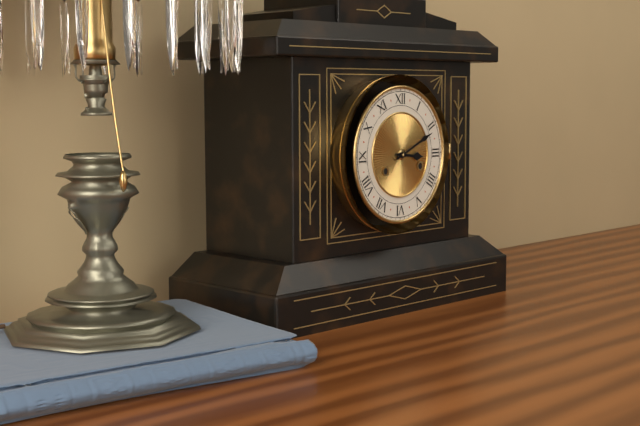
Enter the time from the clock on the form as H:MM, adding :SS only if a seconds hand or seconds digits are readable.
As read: 3:11
